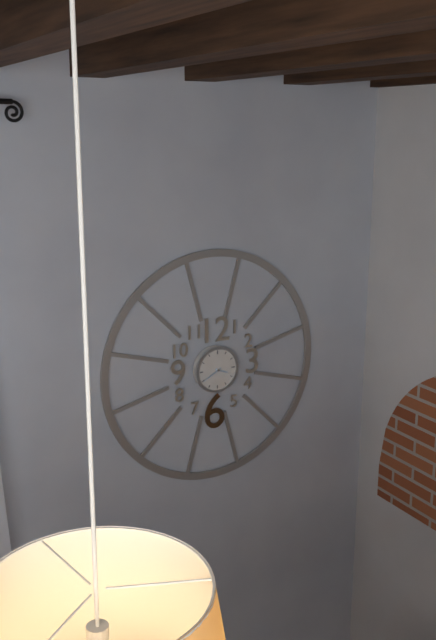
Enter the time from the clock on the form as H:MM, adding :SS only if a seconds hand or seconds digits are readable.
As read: 3:40
